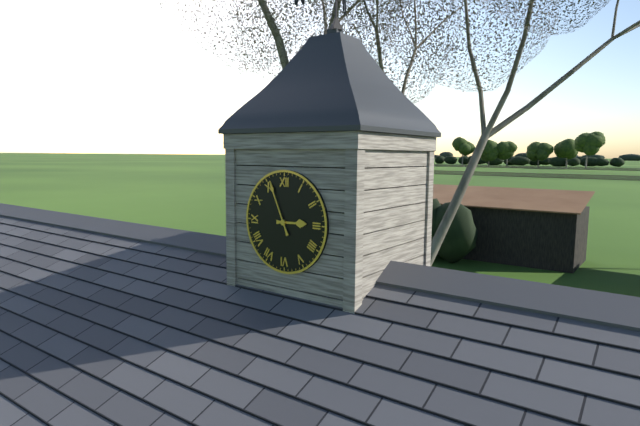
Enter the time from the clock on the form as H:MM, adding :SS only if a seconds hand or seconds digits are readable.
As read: 2:56
